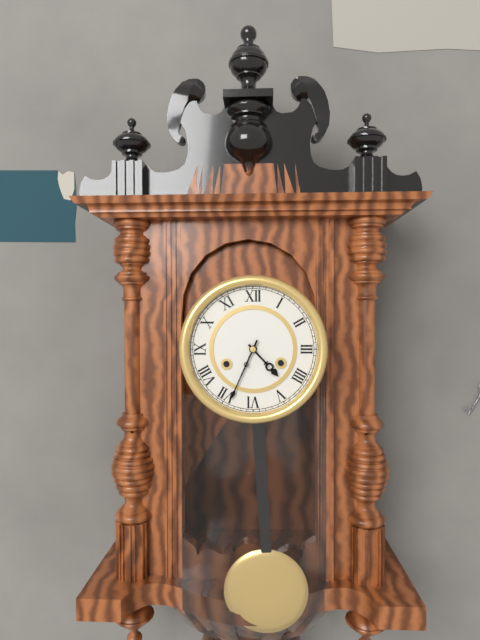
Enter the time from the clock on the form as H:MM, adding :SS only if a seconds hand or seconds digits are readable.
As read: 4:34
